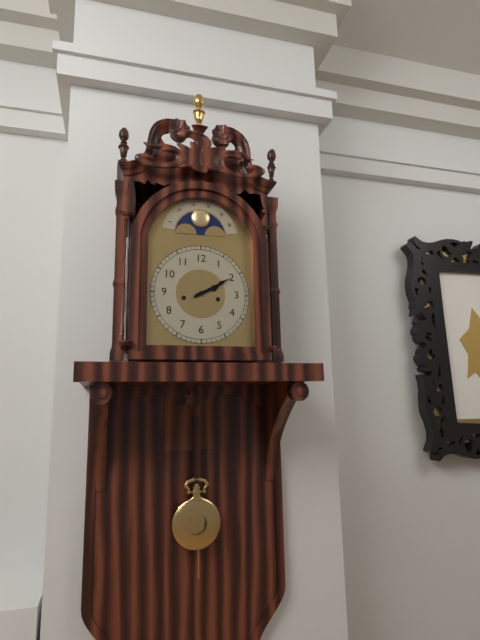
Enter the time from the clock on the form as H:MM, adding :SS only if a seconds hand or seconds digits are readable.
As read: 2:10
